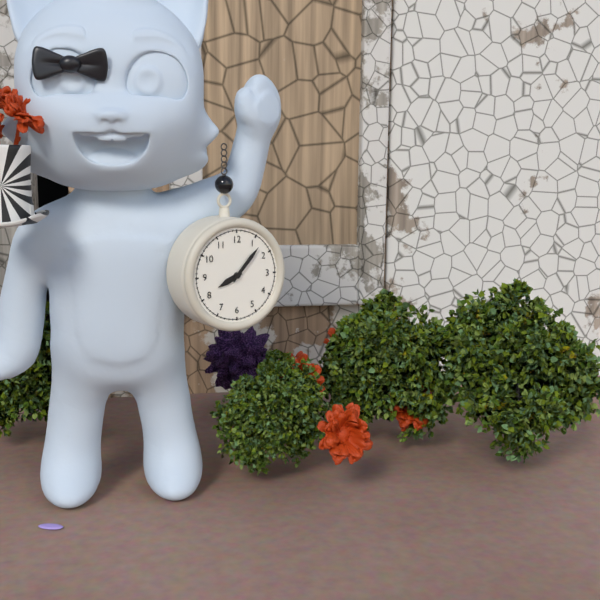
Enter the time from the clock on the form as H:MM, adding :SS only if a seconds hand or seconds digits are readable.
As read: 8:07
